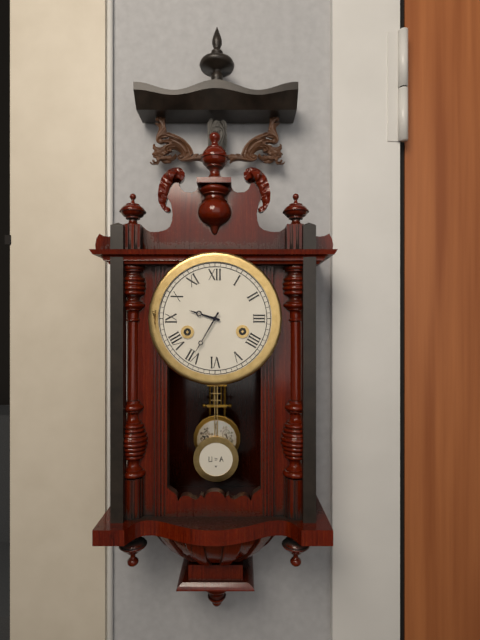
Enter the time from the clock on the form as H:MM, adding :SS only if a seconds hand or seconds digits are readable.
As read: 9:35
